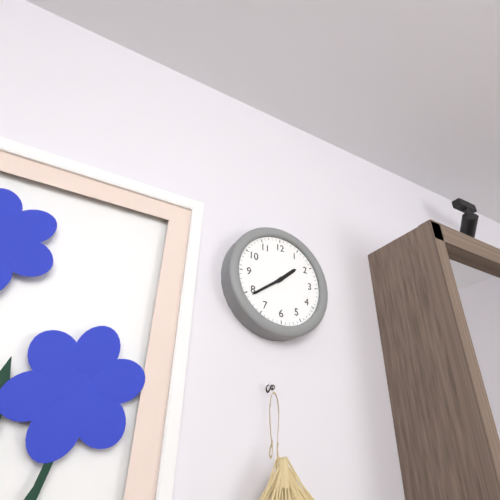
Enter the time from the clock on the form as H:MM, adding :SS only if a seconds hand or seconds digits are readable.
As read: 1:39
